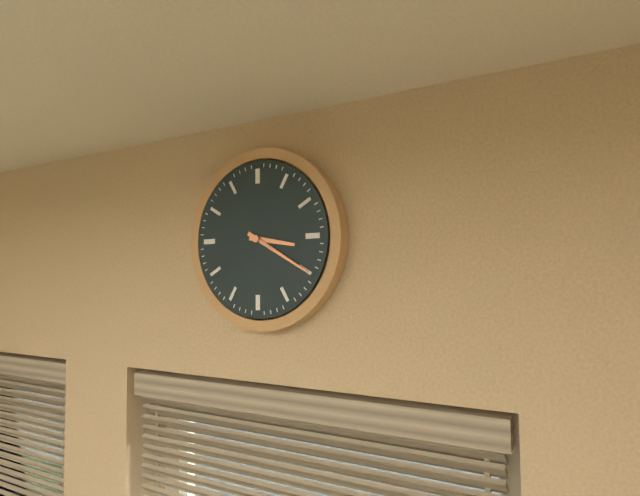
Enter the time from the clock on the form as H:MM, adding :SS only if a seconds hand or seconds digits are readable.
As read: 3:20
